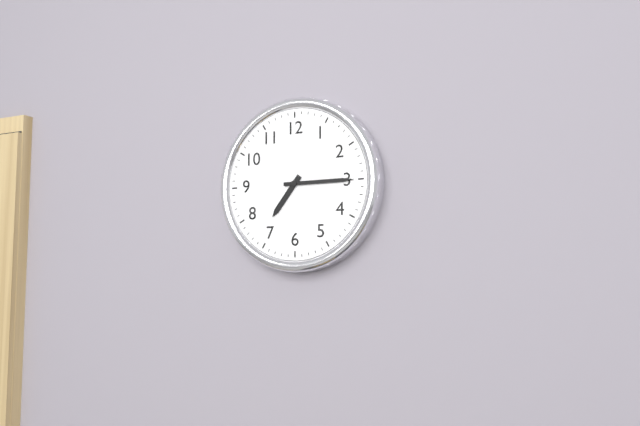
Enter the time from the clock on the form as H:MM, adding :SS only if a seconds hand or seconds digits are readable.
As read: 7:15
